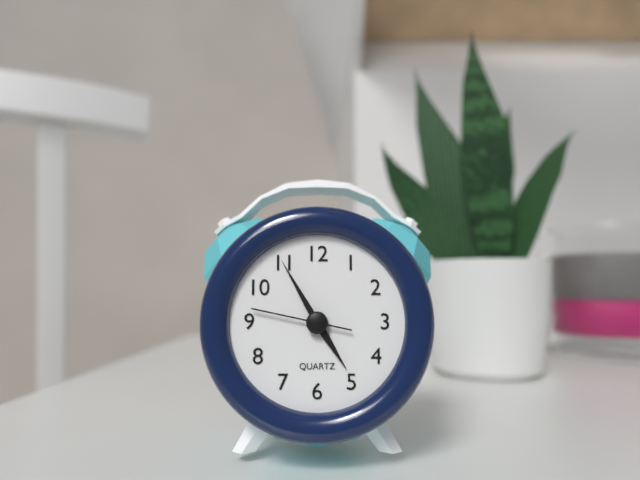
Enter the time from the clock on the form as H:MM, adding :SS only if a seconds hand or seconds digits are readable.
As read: 4:55:47
